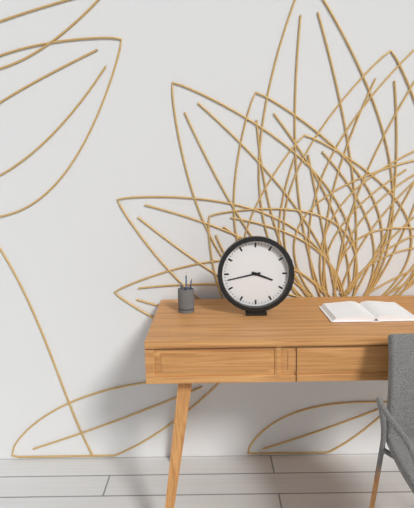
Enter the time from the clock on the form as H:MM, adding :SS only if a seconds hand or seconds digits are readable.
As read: 3:43
